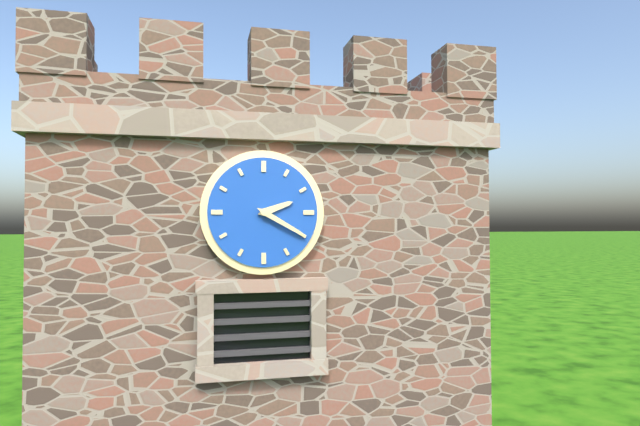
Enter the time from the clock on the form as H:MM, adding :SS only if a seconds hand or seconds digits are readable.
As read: 2:20
